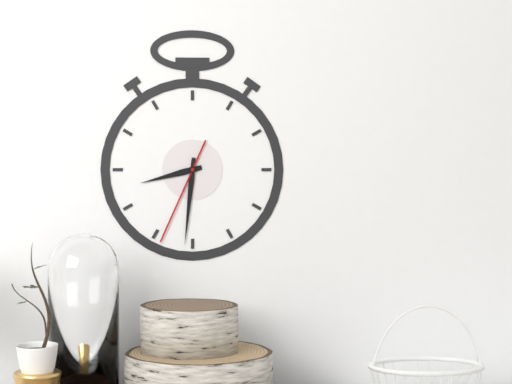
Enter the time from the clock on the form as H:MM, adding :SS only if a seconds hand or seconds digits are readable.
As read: 8:31:34
